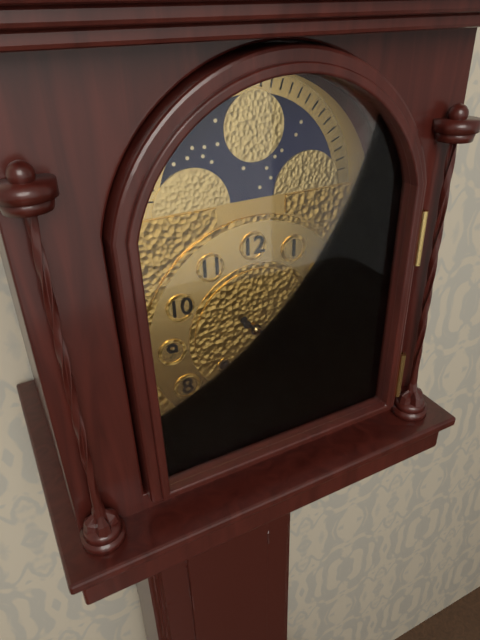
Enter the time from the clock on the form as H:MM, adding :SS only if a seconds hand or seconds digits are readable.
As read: 4:23
